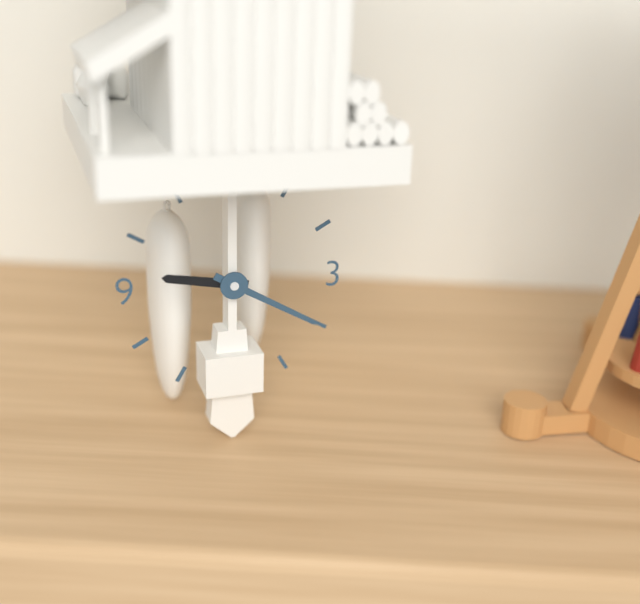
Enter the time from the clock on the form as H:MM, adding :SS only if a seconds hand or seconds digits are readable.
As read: 9:20
